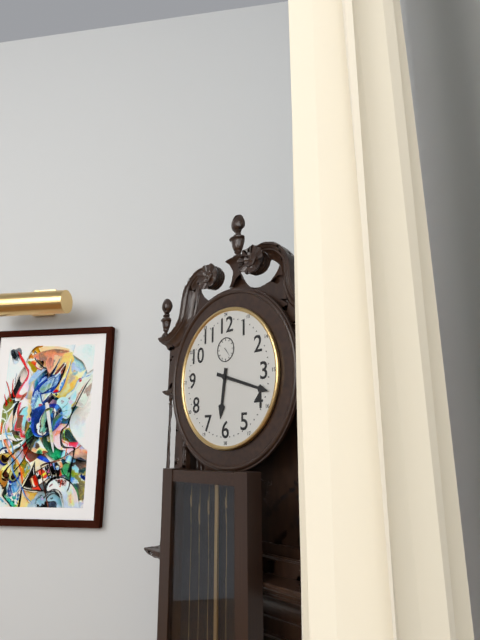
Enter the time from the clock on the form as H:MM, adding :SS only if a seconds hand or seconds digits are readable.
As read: 6:18
